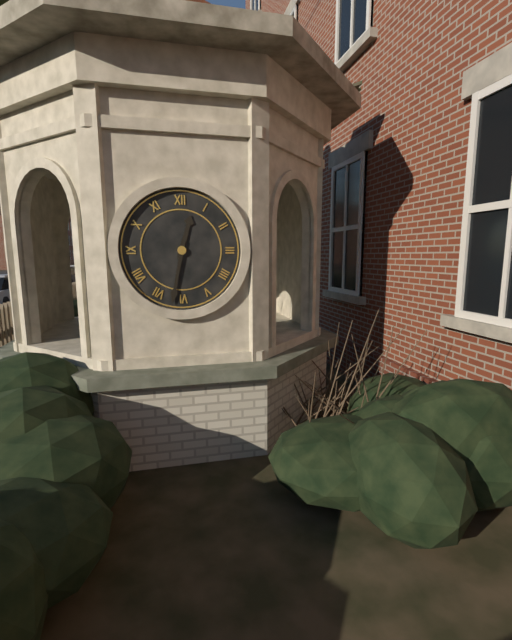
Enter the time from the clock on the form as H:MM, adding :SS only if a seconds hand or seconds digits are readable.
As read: 12:32
